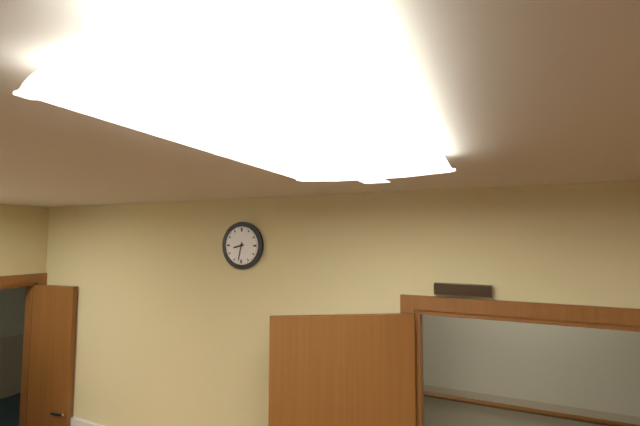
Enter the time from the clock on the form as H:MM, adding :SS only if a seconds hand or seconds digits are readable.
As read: 8:32
